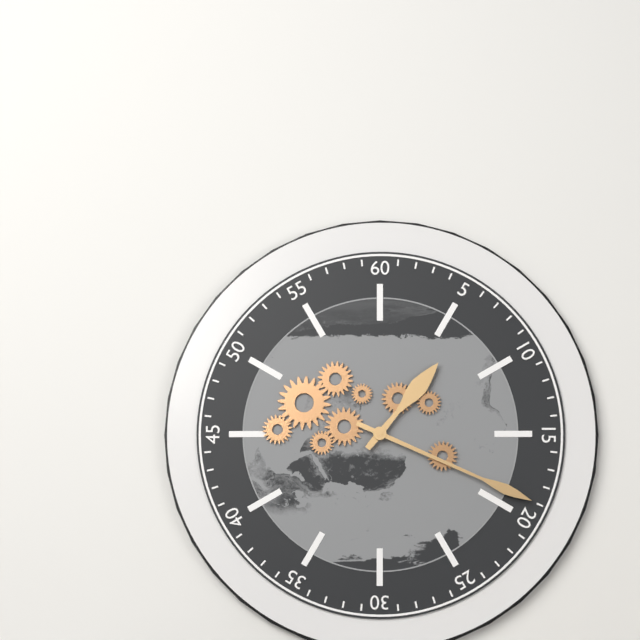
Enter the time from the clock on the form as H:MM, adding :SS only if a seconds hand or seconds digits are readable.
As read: 1:19
